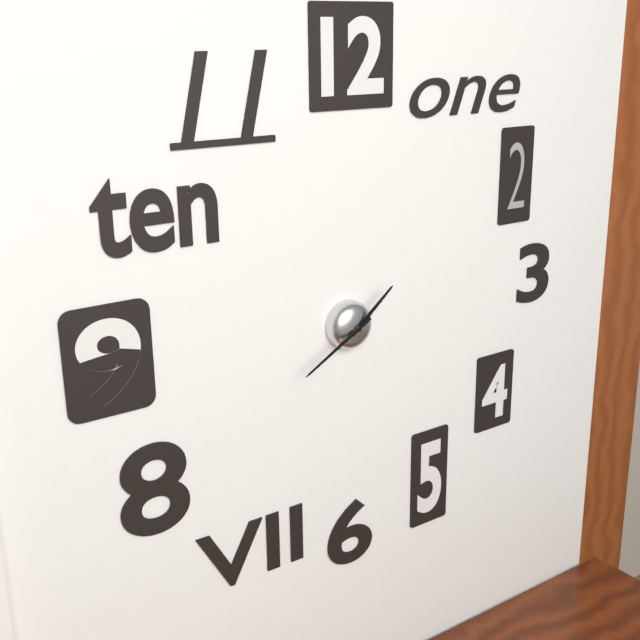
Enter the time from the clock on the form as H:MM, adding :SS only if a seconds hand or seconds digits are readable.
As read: 1:40
